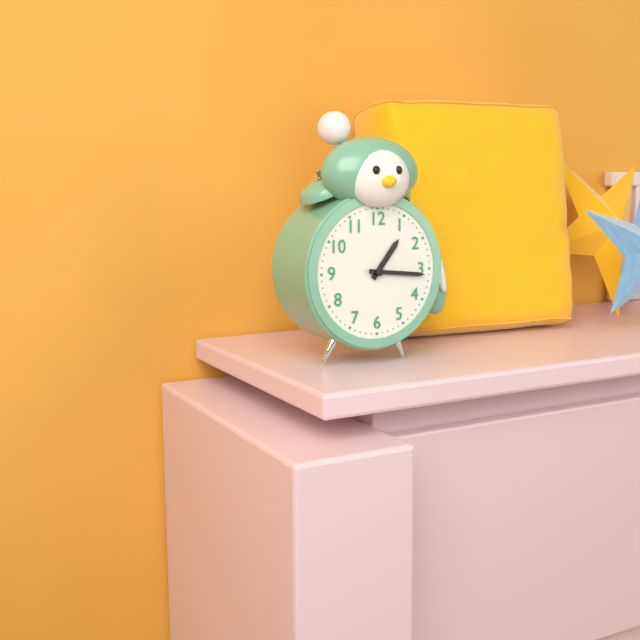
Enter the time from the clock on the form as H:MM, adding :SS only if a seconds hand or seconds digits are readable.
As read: 1:16
